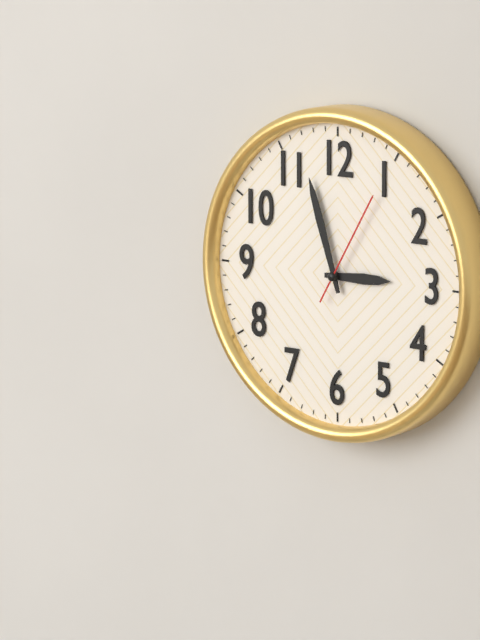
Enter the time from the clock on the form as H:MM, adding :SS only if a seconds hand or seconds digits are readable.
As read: 2:57:05
